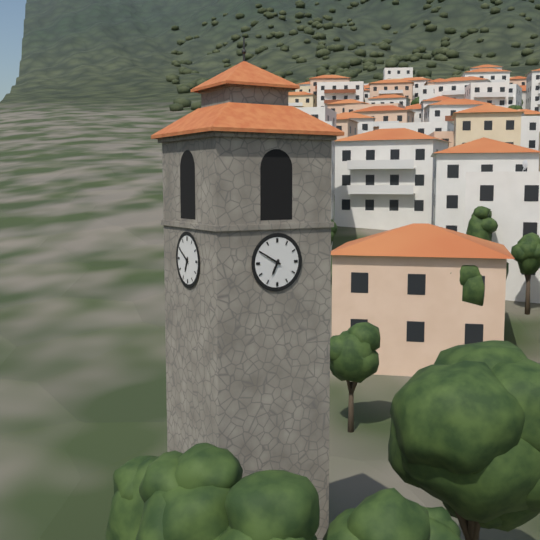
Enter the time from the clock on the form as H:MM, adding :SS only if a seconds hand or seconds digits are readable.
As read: 6:50
